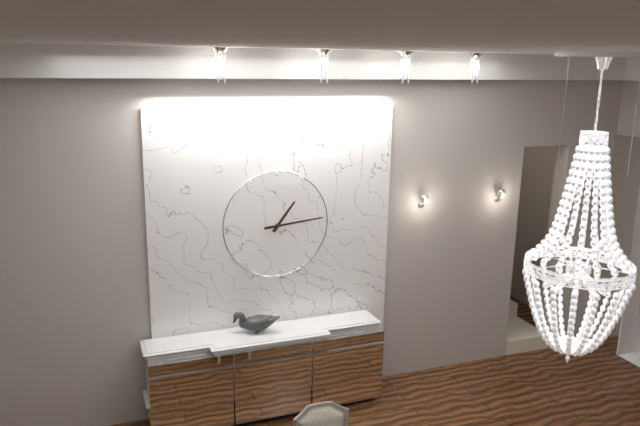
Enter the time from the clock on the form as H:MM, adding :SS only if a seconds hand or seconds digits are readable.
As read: 1:14
